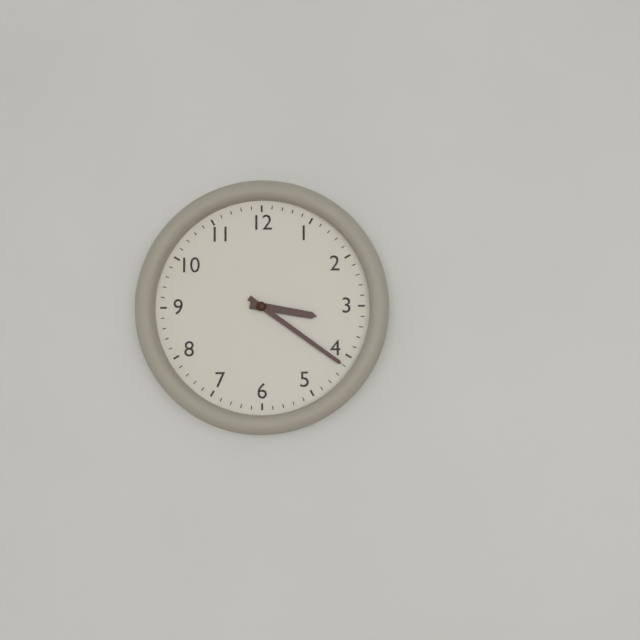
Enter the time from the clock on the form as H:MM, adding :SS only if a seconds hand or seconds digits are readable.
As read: 3:21
